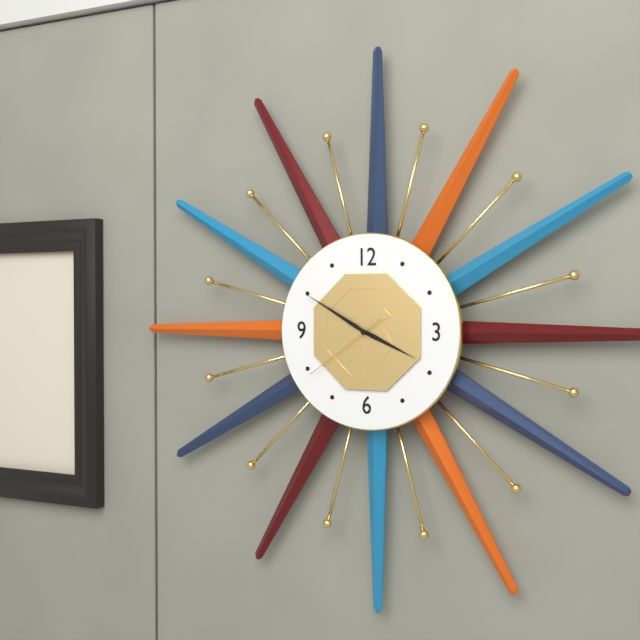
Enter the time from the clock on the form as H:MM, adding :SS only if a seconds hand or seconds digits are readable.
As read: 3:50:39
